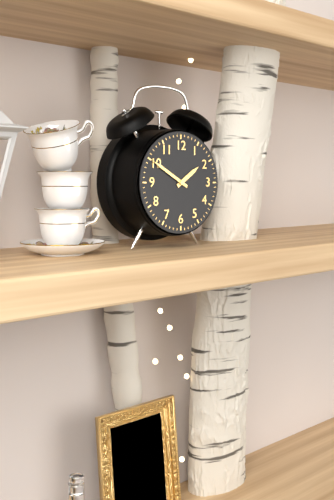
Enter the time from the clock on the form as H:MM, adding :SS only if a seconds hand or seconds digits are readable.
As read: 1:50
